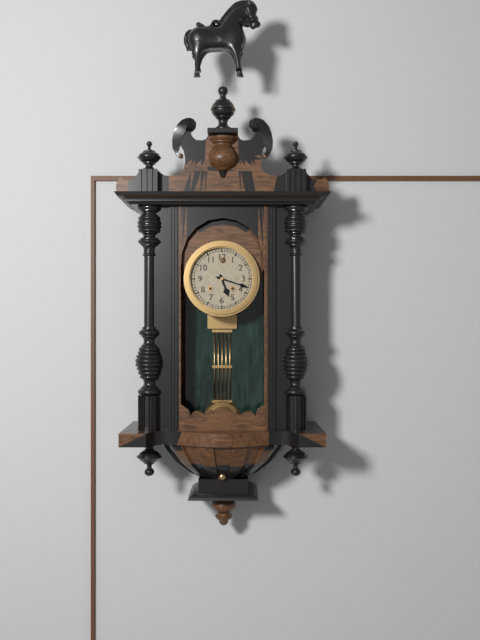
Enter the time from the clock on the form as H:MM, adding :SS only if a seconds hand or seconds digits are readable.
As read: 5:18
